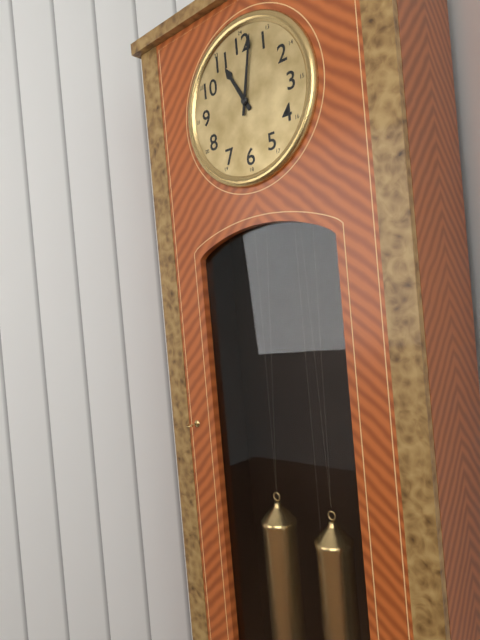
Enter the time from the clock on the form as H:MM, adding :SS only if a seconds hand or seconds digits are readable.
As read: 11:02
